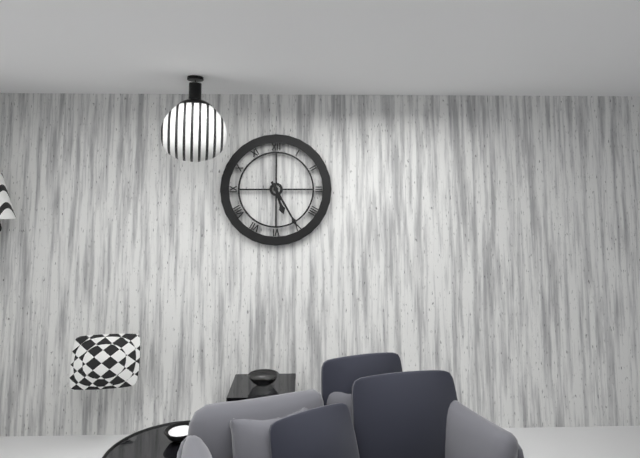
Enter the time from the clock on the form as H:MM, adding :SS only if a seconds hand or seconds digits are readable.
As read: 5:25
